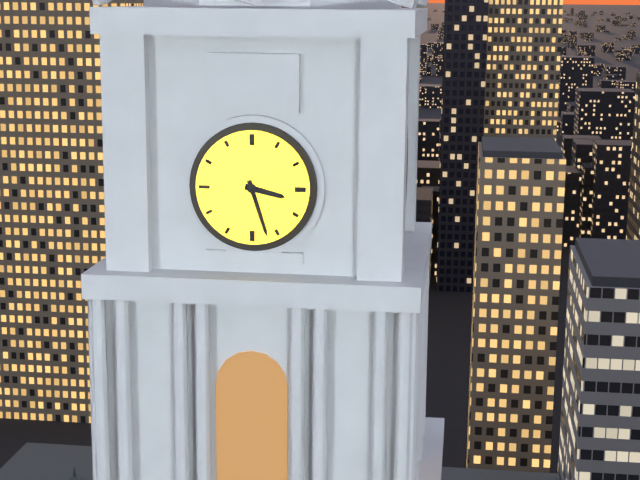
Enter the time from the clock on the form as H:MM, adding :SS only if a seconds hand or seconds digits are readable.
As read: 3:27
